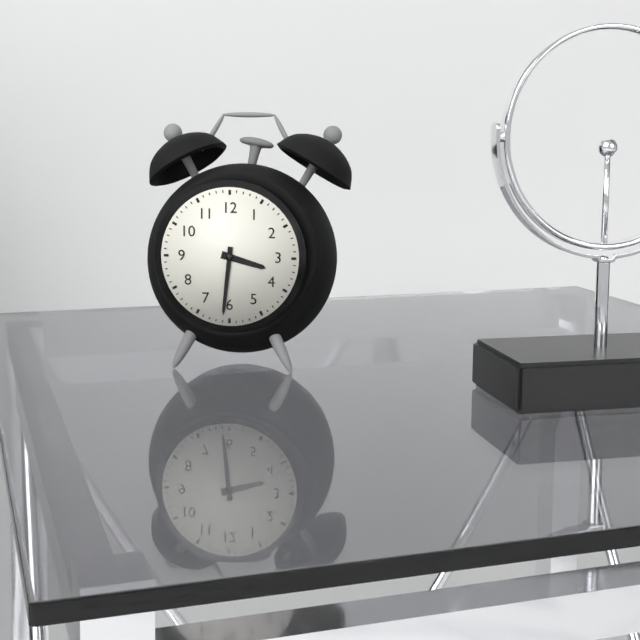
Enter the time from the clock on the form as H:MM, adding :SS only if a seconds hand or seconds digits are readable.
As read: 3:31
